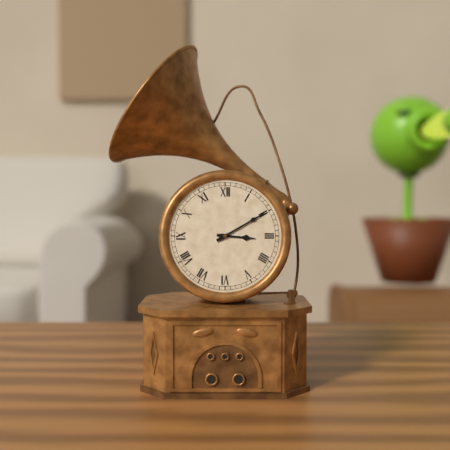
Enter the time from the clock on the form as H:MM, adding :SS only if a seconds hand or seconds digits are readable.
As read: 3:10
